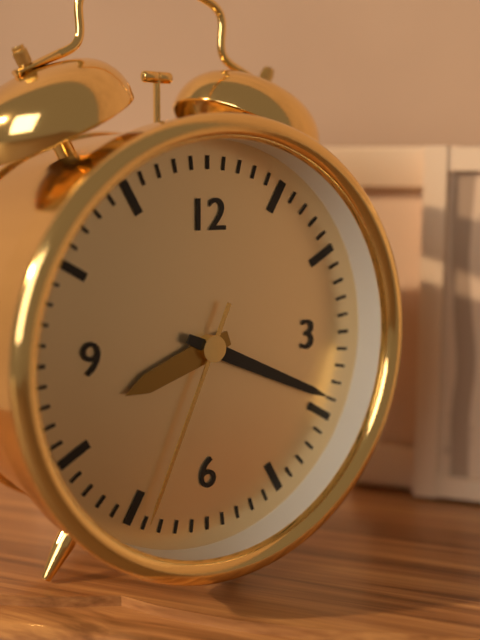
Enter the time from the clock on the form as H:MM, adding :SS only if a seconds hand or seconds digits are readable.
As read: 8:19:34
